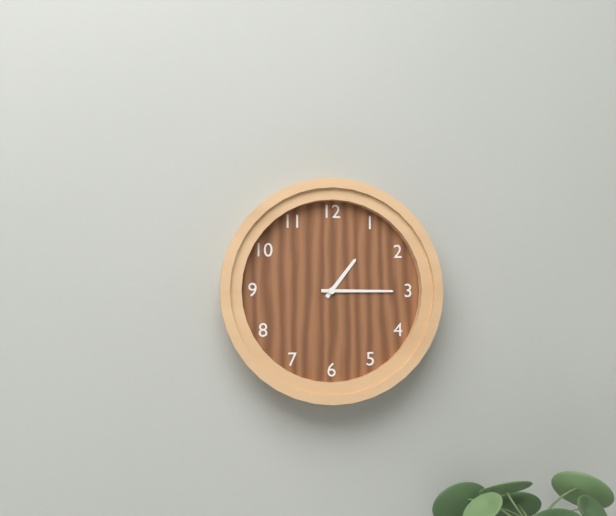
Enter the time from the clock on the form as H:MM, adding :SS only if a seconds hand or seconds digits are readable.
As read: 1:15
